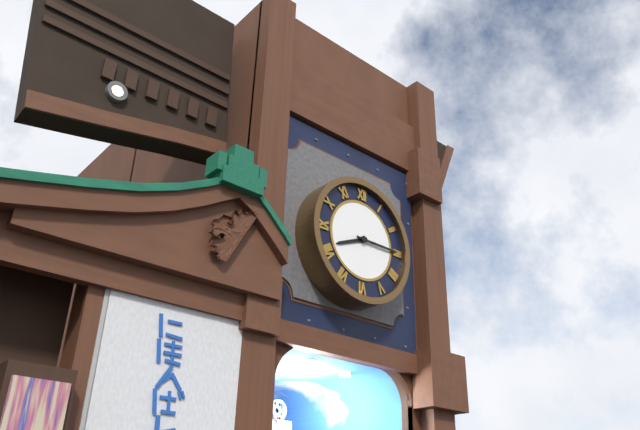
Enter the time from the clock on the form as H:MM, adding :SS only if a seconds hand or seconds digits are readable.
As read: 8:15
